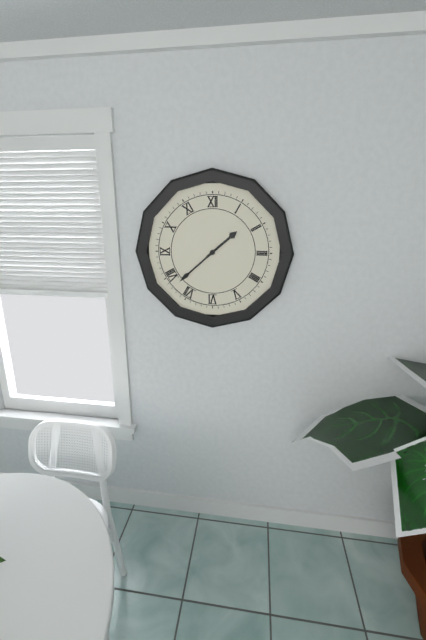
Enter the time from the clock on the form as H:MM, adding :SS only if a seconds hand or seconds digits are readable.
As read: 1:38
